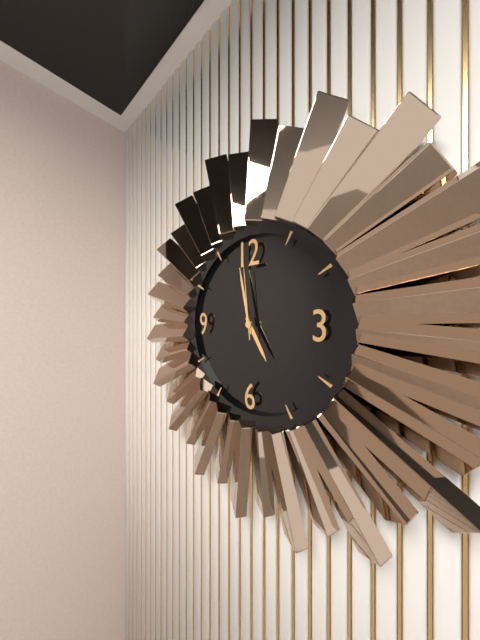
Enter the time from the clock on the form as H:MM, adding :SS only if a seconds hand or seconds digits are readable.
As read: 4:58:59
